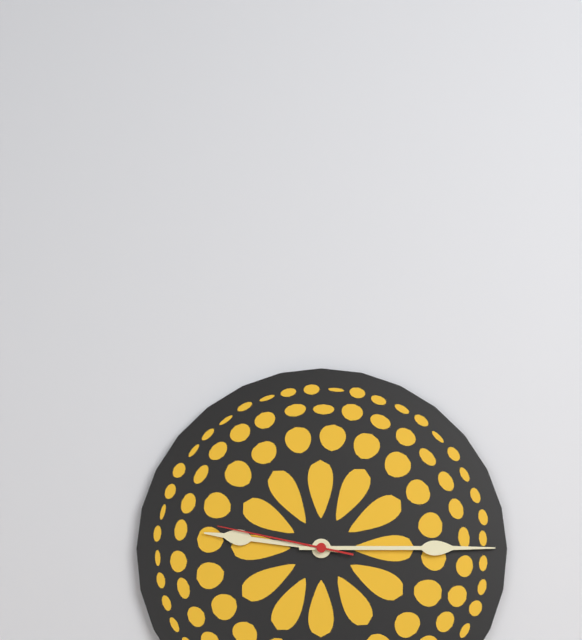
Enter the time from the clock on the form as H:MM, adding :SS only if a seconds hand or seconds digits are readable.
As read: 9:15:47
